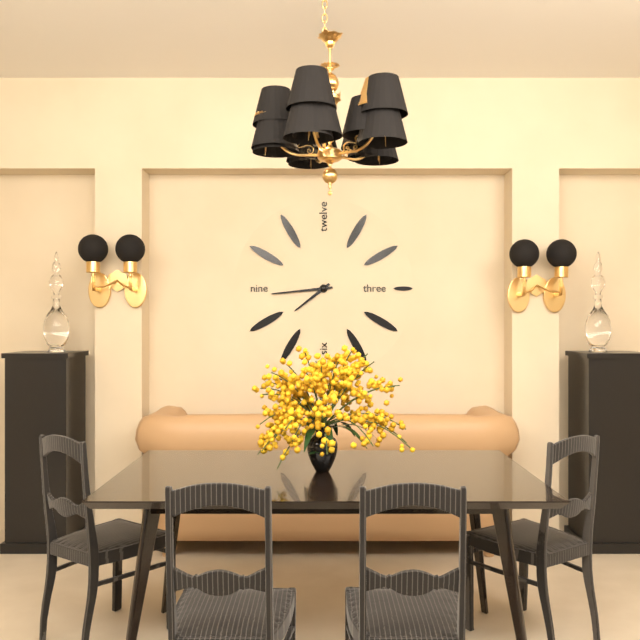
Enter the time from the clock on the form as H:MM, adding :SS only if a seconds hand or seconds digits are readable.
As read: 7:44
